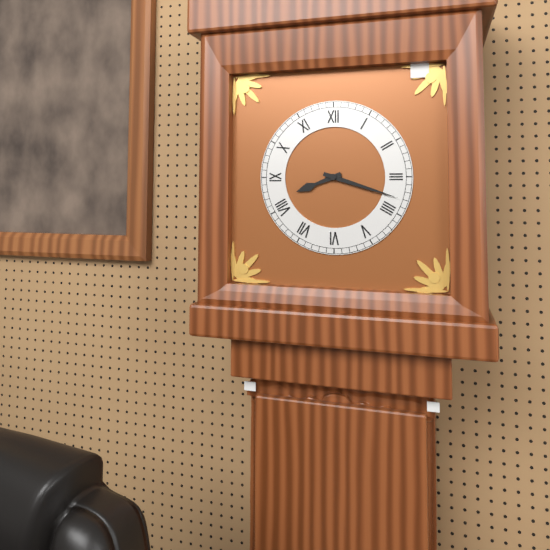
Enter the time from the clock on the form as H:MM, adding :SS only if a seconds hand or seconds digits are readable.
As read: 8:18
